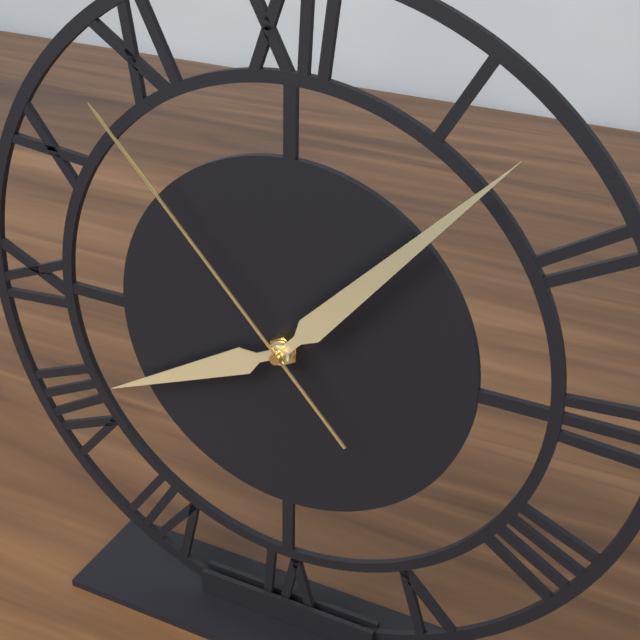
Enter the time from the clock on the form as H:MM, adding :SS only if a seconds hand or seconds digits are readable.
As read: 8:07:53
